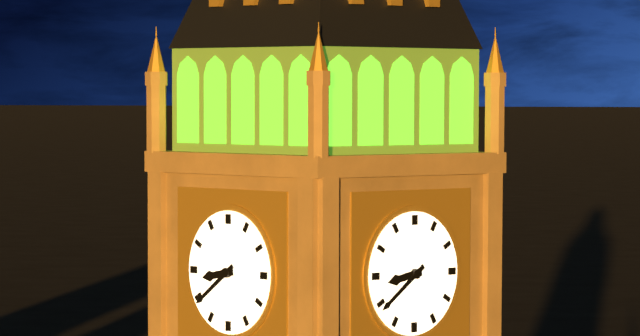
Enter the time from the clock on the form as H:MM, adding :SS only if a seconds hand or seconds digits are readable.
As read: 8:39
